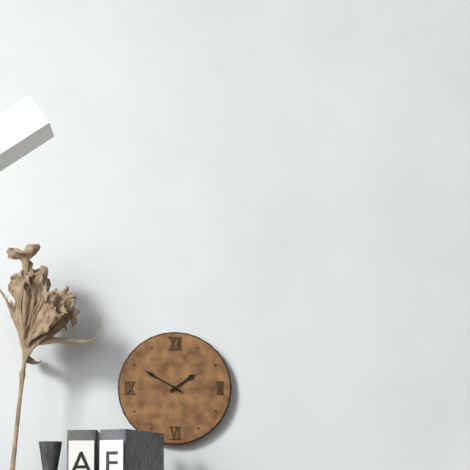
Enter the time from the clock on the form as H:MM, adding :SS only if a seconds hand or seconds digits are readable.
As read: 1:50
